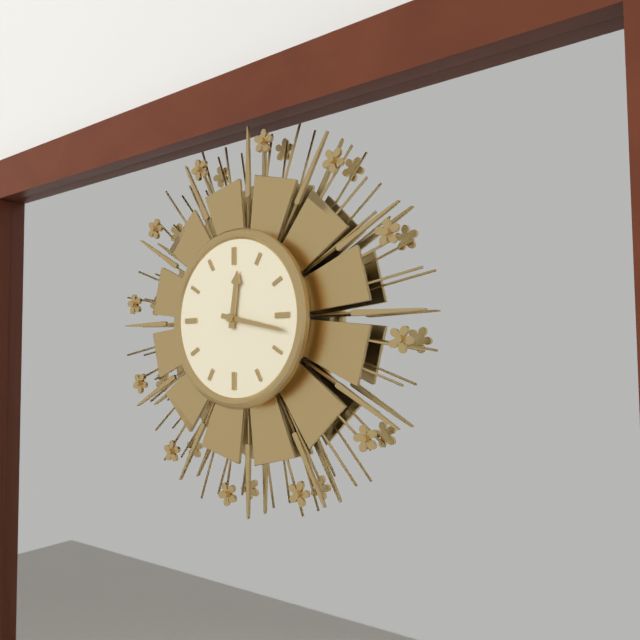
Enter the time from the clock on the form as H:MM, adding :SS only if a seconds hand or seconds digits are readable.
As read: 12:17
